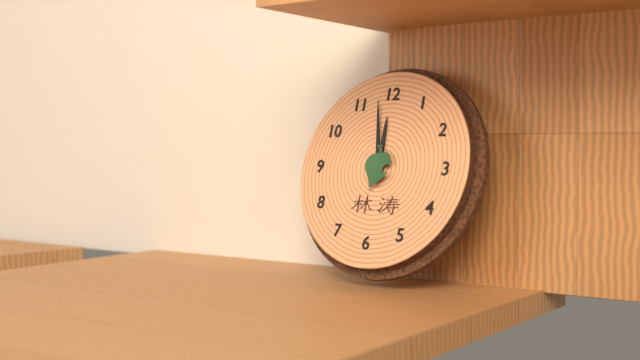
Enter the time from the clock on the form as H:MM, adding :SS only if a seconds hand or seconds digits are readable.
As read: 11:58
